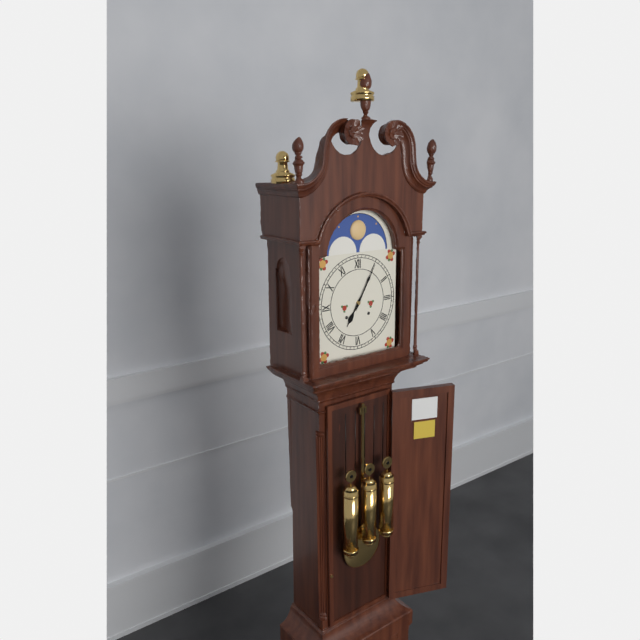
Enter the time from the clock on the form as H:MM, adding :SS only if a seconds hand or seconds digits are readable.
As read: 7:05
